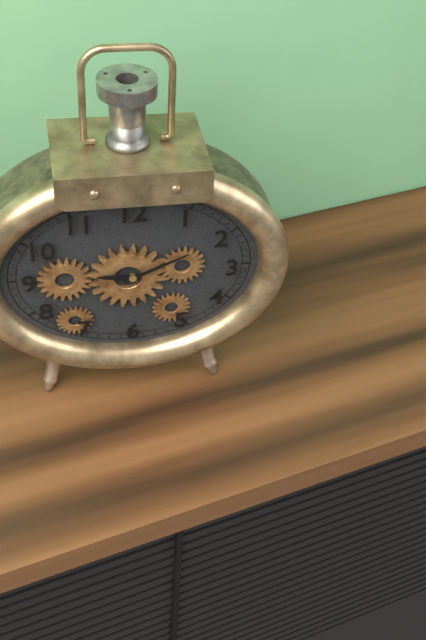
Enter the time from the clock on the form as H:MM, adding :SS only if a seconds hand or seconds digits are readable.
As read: 9:11
